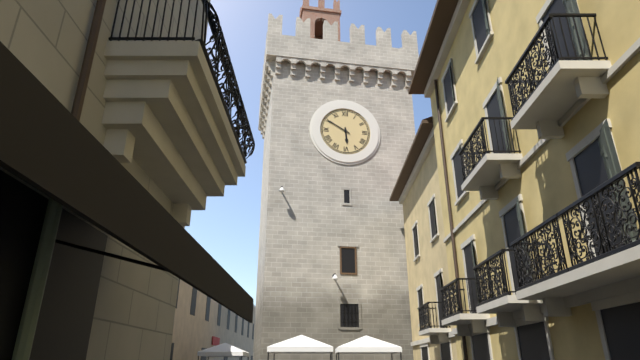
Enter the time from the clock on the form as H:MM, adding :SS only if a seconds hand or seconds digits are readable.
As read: 5:50
